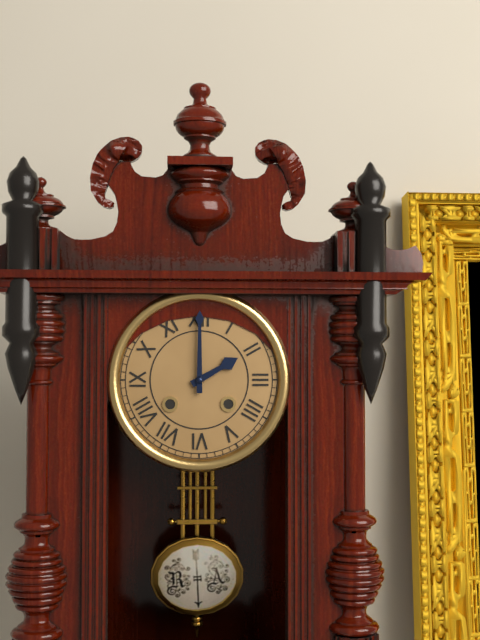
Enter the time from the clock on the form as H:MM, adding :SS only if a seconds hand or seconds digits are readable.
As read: 2:00
